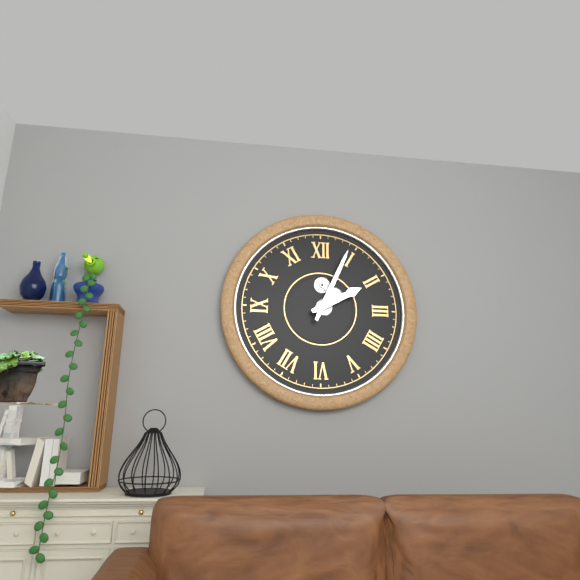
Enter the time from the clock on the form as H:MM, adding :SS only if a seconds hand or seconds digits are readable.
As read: 2:04
